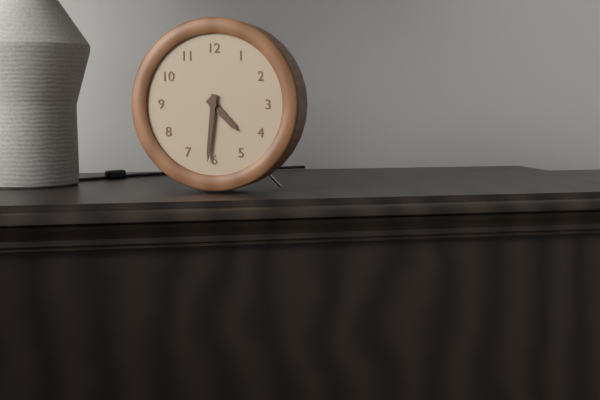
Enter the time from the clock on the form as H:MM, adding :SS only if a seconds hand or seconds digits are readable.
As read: 4:31
